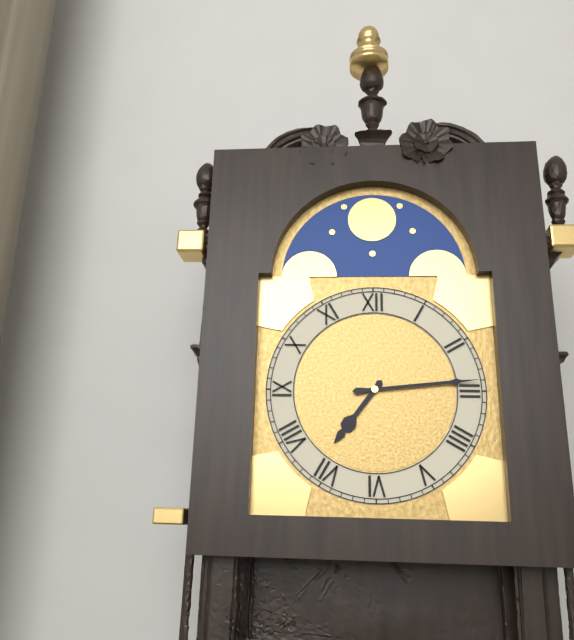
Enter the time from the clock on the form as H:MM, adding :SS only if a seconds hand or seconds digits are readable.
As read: 7:14
